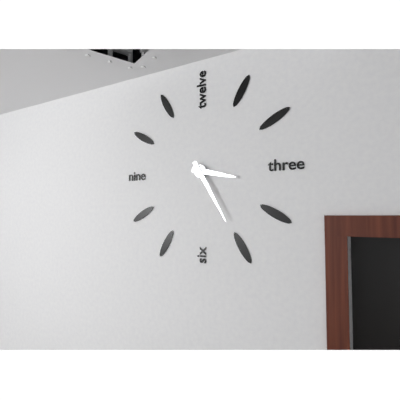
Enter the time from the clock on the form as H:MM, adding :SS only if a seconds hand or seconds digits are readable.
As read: 3:25
